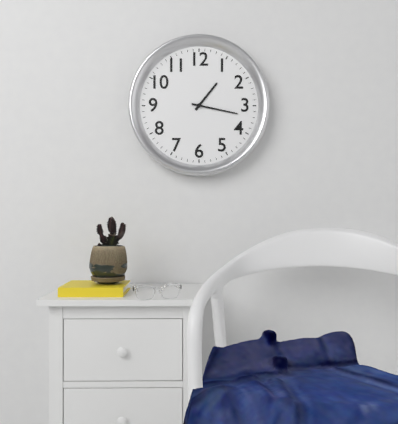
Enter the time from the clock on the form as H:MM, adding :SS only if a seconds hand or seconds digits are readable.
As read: 1:17
